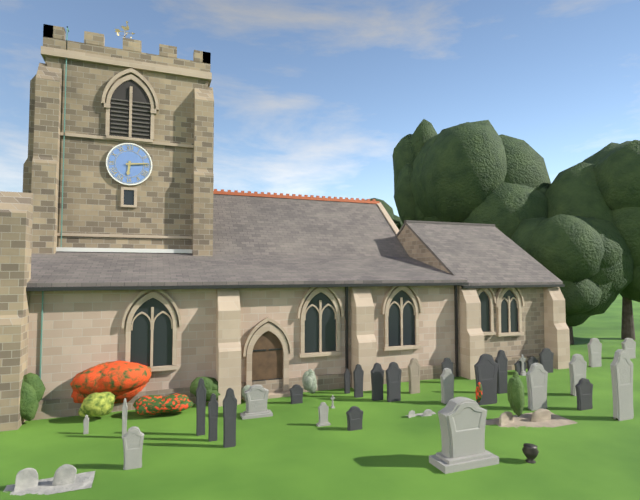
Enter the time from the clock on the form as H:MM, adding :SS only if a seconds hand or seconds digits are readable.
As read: 6:14
